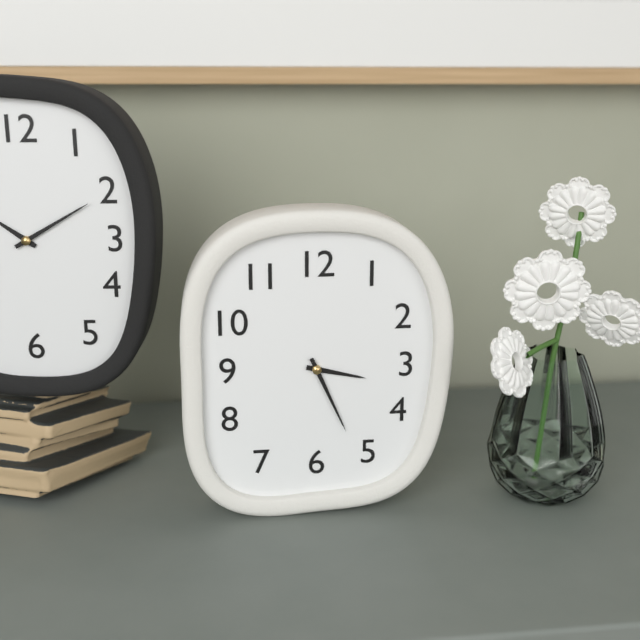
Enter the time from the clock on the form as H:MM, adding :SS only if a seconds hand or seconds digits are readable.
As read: 3:26
